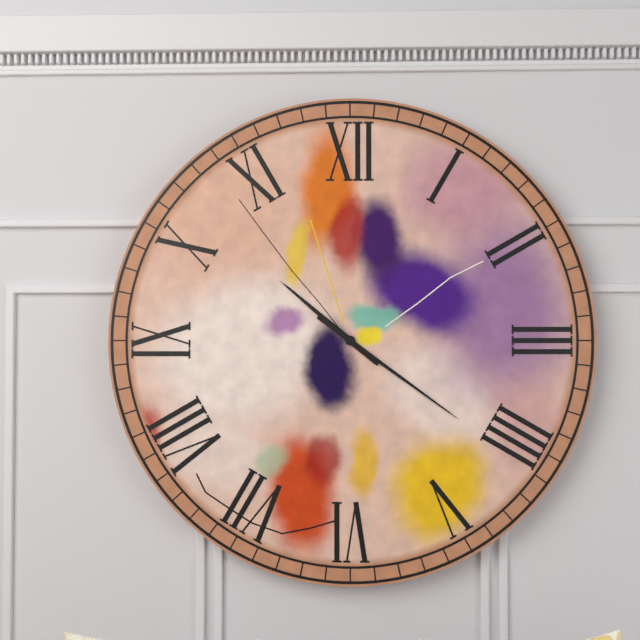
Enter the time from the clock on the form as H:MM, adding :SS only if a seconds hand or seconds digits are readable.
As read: 10:21
